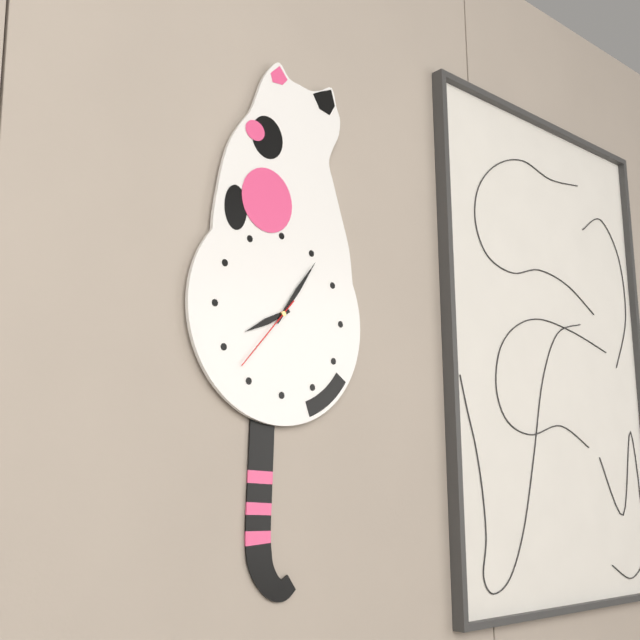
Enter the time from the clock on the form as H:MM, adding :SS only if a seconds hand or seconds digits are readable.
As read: 8:06:37
